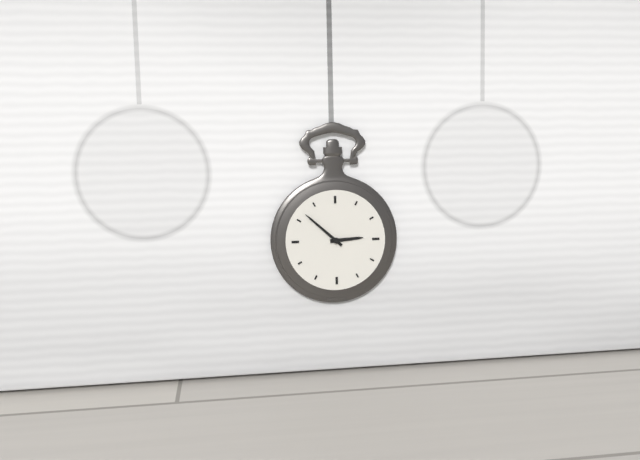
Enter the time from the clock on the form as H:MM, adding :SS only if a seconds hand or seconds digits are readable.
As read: 2:52
